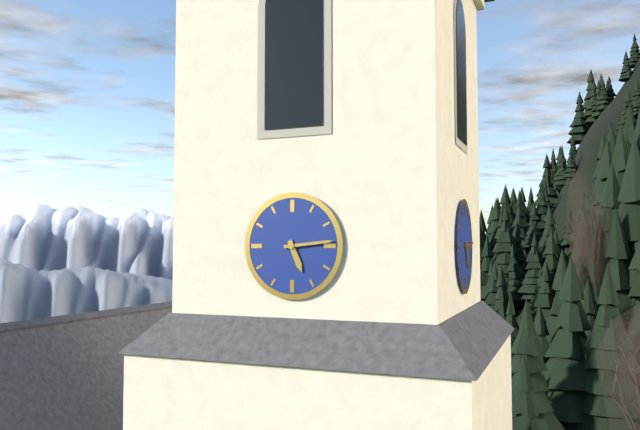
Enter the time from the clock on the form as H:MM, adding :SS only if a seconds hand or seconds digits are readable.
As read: 5:14
